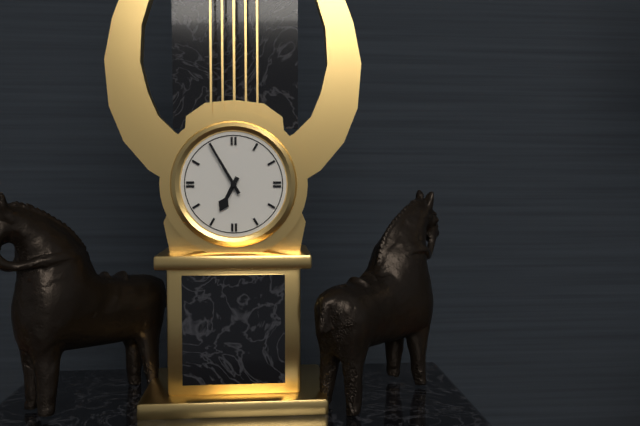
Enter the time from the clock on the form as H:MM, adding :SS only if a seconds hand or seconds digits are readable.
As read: 6:55
